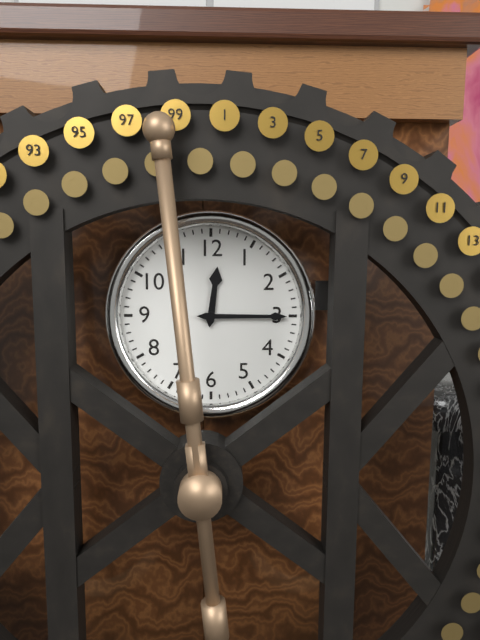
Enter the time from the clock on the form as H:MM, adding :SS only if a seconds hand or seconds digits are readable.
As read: 12:15
